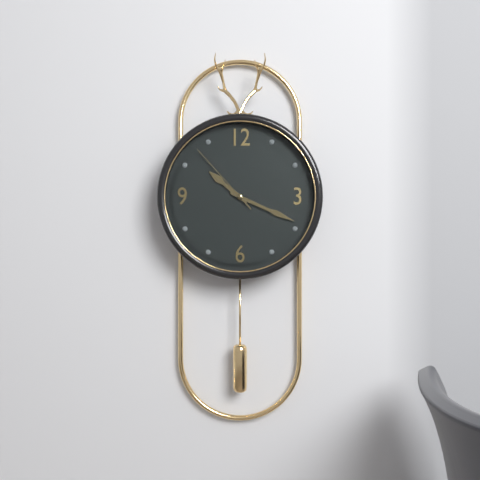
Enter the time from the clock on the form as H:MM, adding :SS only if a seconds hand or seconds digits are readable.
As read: 10:19:53
